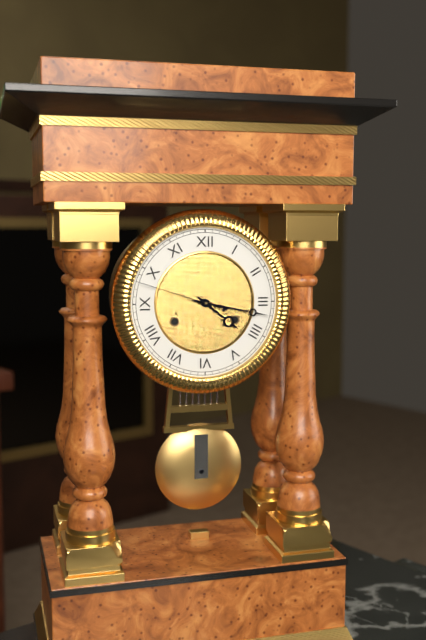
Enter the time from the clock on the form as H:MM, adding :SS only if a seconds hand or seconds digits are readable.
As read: 4:17:48
